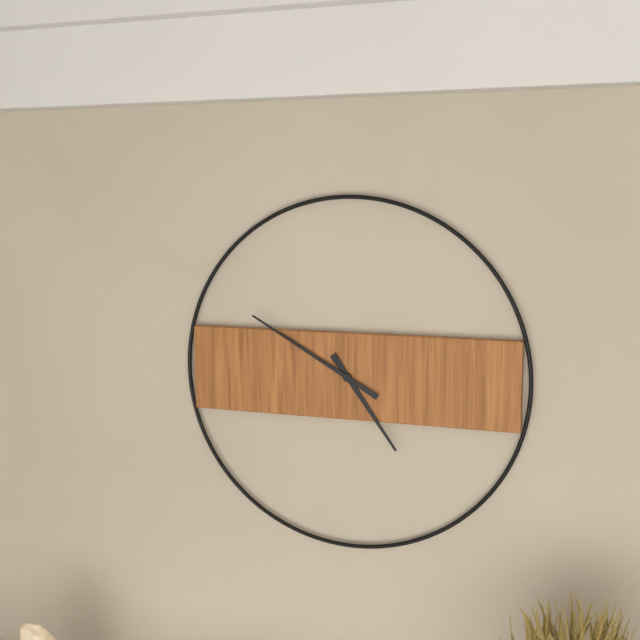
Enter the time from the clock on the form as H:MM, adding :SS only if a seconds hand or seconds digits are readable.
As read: 4:50
